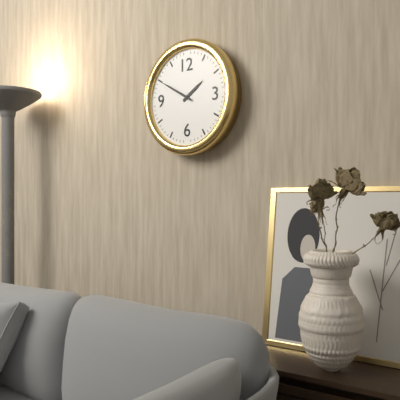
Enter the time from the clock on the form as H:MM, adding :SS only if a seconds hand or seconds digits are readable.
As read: 1:50
